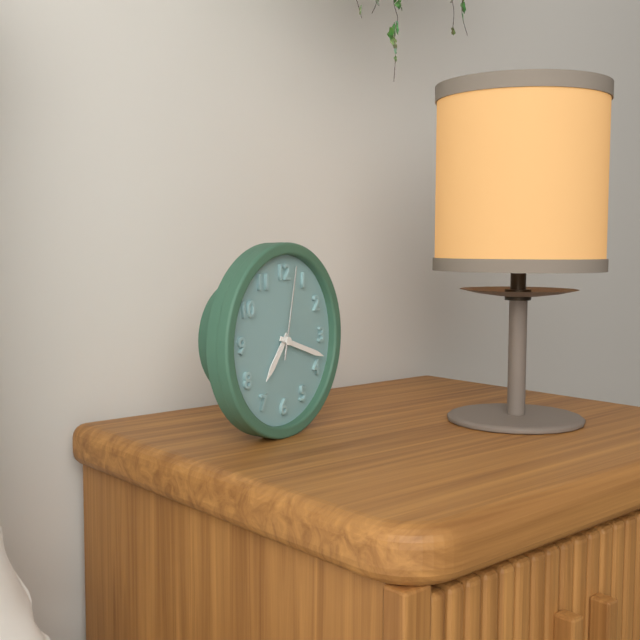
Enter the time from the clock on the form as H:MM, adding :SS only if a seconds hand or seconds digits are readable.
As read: 7:18:02
